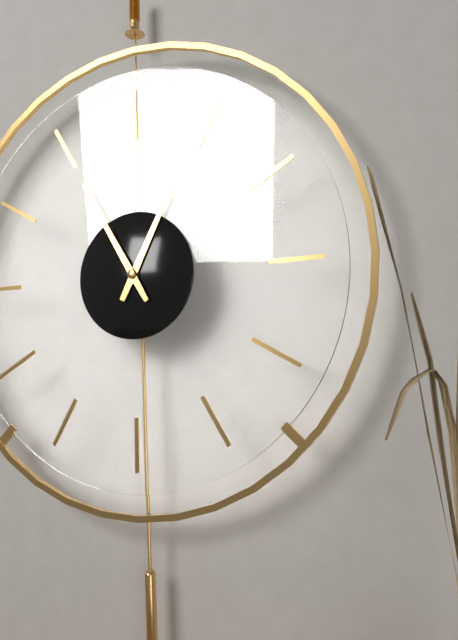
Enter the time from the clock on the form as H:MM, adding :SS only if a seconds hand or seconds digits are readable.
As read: 12:55
